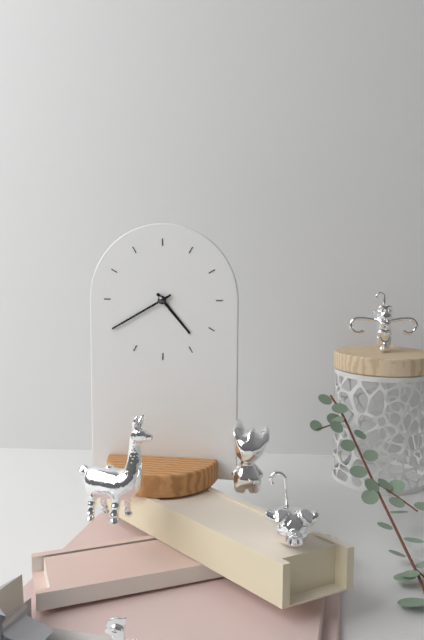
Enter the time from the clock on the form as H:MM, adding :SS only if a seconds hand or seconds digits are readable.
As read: 4:40
